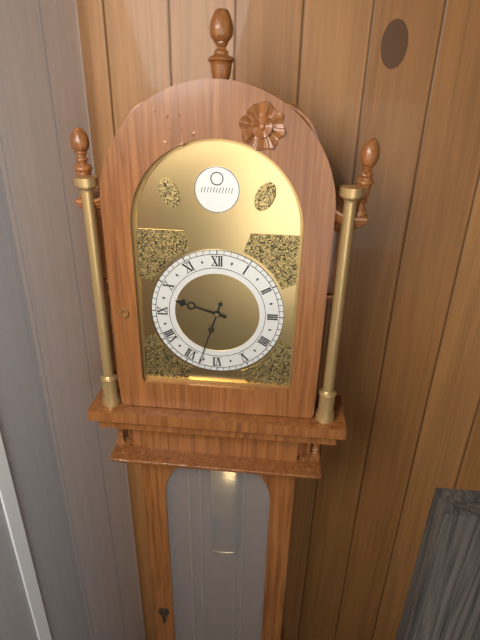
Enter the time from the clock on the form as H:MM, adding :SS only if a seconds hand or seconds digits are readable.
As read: 9:33
